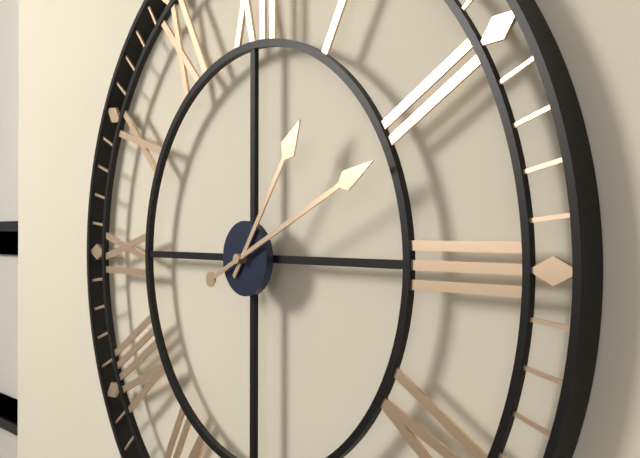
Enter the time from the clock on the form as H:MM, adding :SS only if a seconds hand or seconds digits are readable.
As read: 1:11
